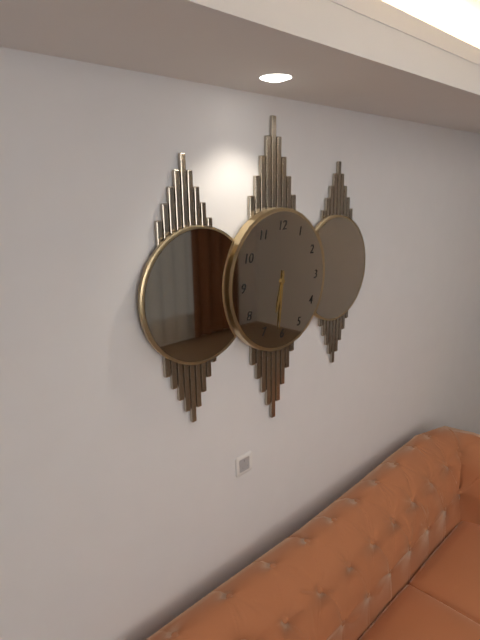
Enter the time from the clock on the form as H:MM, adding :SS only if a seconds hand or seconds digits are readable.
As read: 6:31
